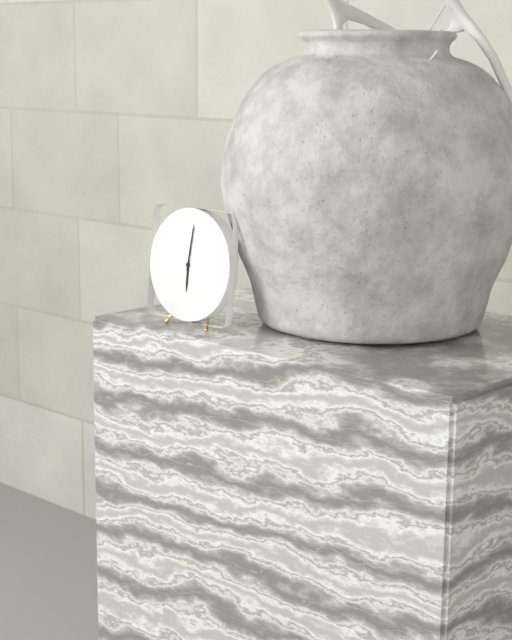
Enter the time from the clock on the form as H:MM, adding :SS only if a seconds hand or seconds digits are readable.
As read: 6:01
